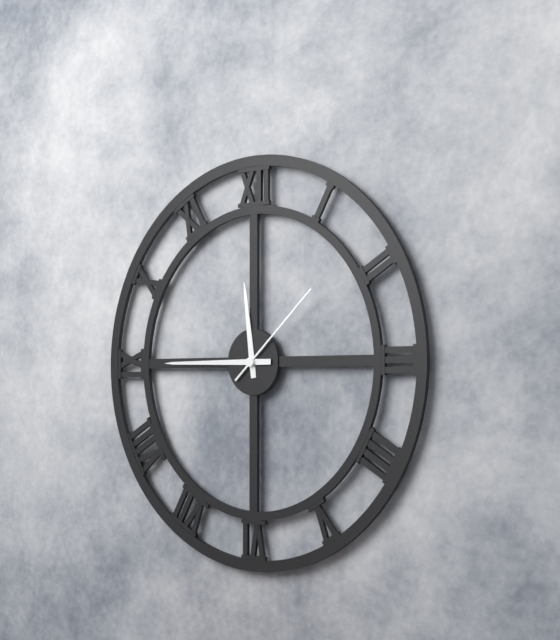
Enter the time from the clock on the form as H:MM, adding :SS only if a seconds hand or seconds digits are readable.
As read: 11:45:08
